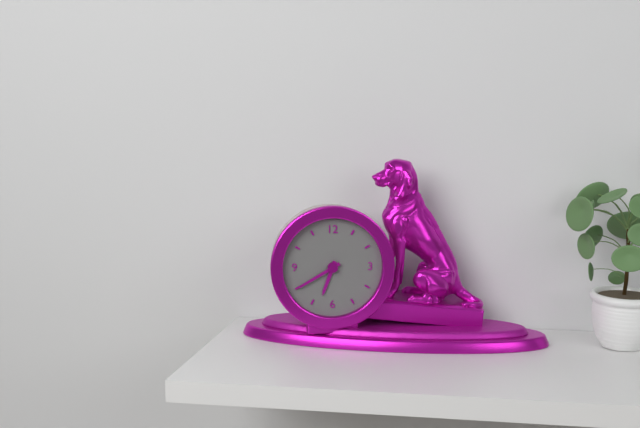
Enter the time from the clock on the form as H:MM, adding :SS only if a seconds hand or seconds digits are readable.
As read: 6:40
